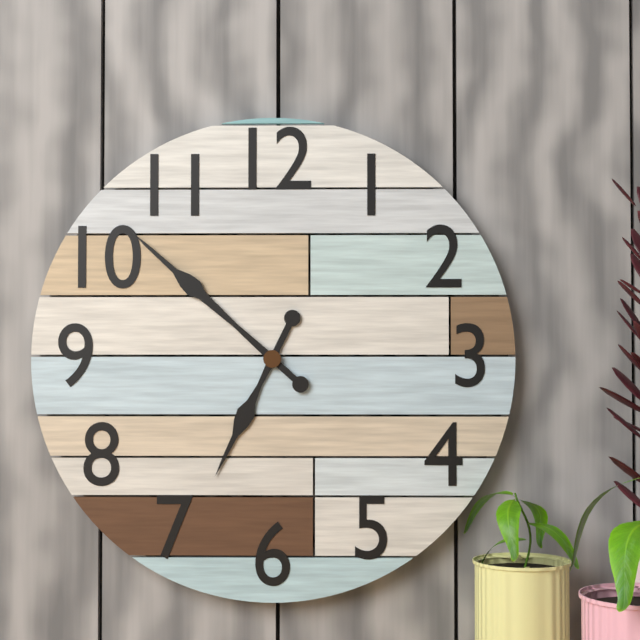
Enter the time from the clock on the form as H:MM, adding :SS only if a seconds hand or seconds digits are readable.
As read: 6:52
